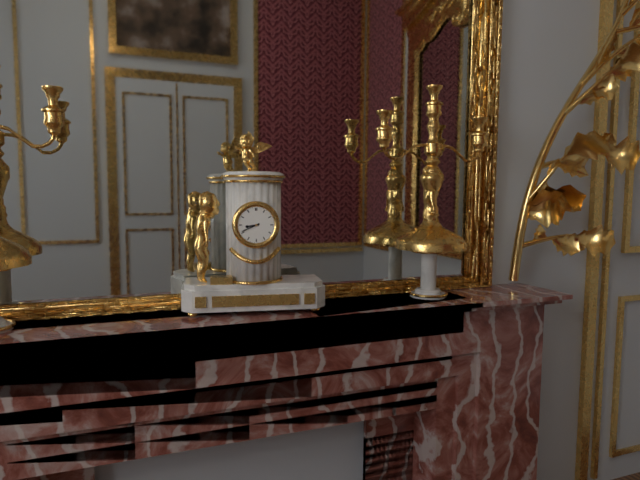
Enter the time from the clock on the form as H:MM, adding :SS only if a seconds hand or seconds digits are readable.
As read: 8:41
